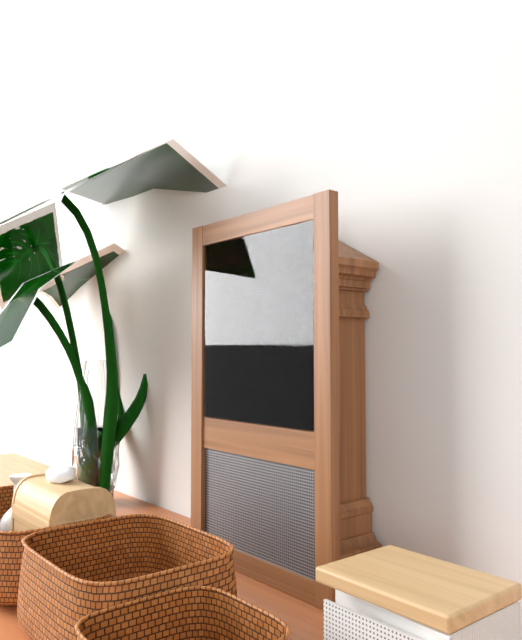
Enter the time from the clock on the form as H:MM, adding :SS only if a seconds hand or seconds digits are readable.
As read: 5:28
